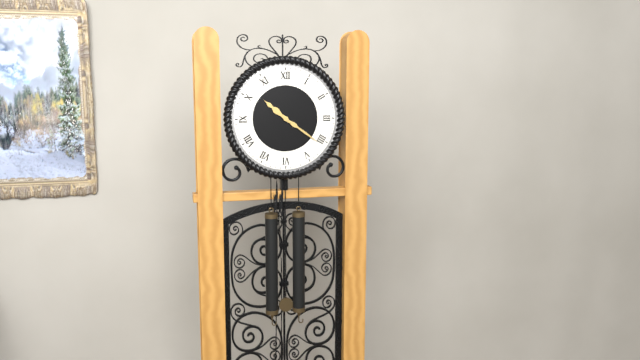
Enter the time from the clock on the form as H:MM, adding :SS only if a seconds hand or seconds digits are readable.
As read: 10:21
